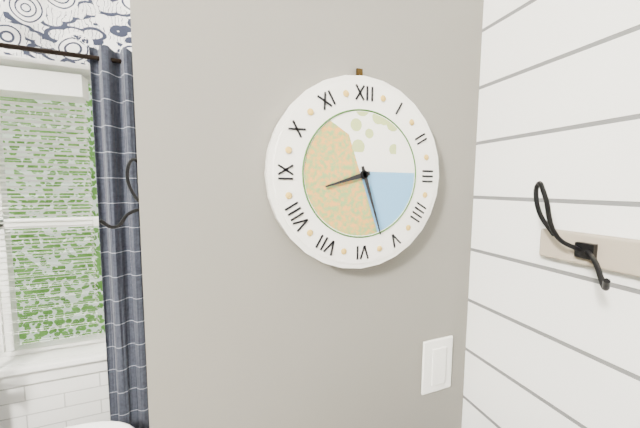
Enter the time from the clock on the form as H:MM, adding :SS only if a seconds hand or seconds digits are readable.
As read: 8:27
